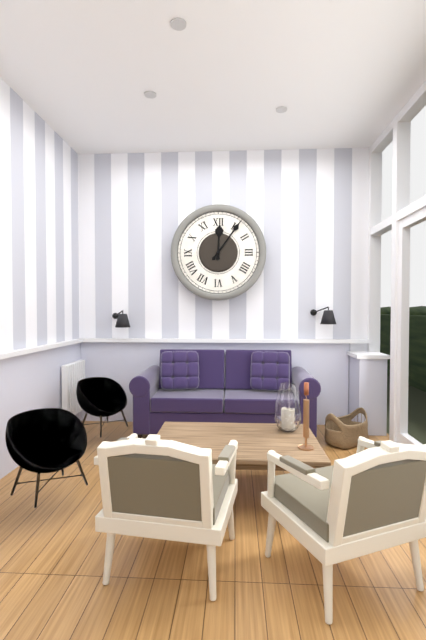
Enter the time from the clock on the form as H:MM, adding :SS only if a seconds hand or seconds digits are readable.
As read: 12:06
